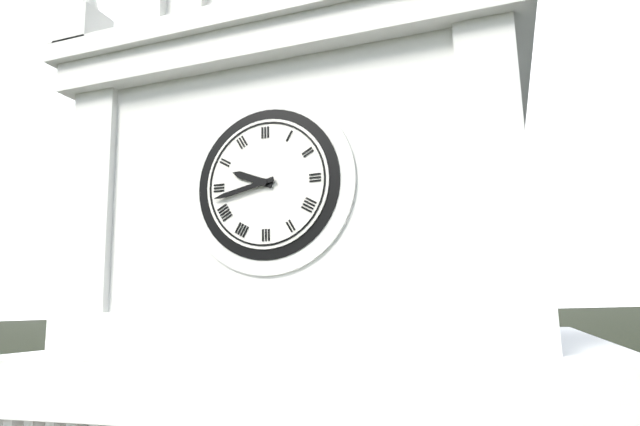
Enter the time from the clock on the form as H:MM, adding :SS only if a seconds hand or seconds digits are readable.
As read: 9:43
